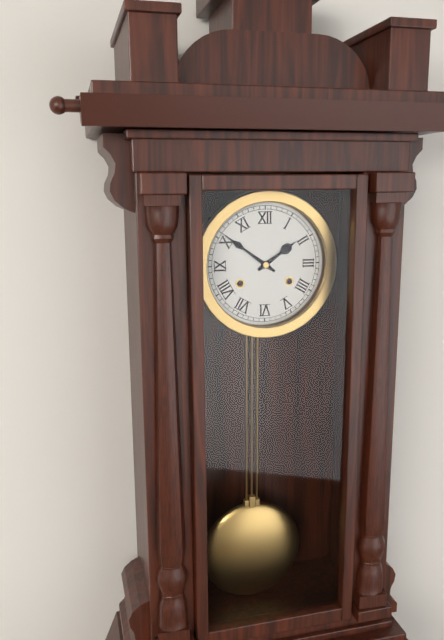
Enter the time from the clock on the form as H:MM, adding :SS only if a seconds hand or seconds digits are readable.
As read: 1:51
